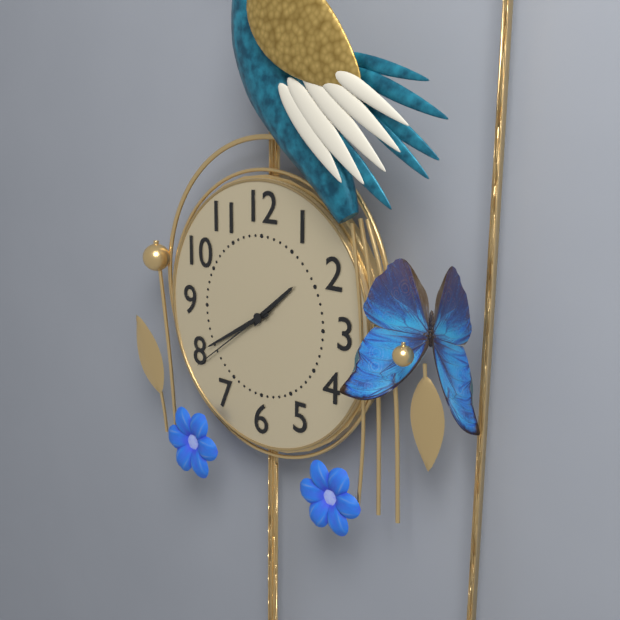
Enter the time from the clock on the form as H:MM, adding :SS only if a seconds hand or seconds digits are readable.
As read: 1:40:39
